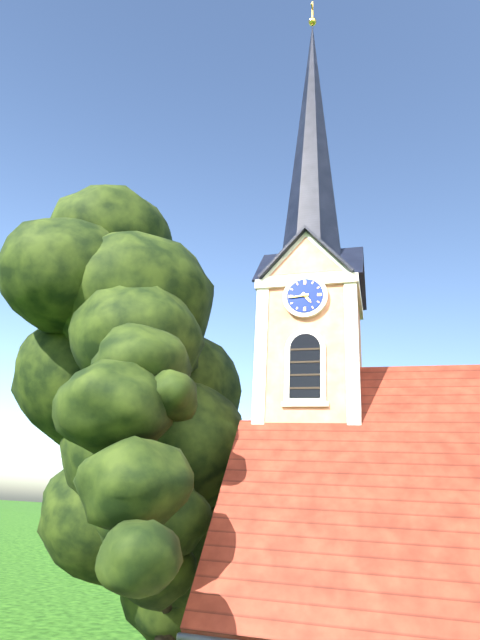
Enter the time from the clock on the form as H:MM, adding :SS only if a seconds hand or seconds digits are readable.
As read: 4:44
